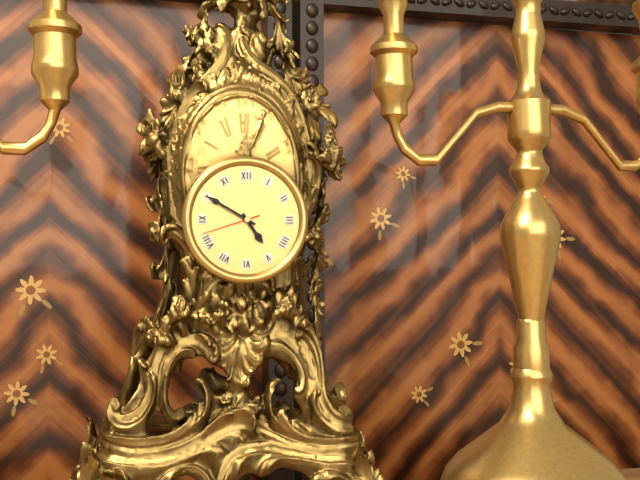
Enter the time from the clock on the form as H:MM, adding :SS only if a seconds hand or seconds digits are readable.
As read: 4:50:42
